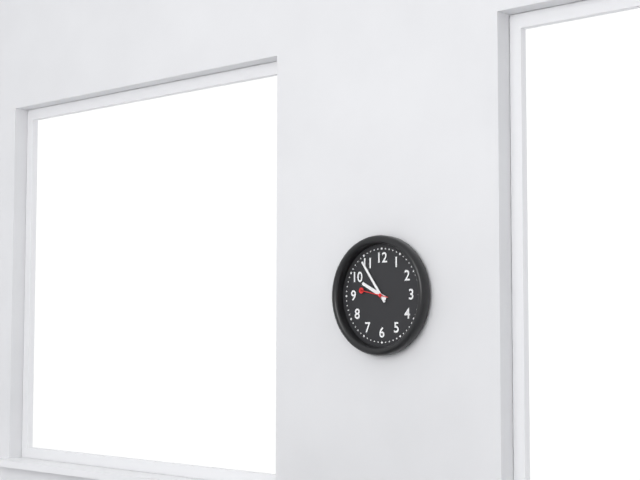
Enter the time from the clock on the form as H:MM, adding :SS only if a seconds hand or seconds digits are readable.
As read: 9:54
